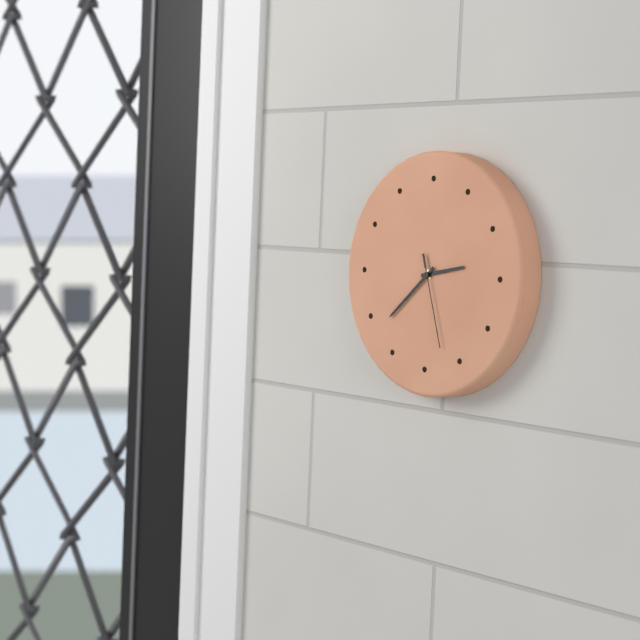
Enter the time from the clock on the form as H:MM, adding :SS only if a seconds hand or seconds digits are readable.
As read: 2:38:27
